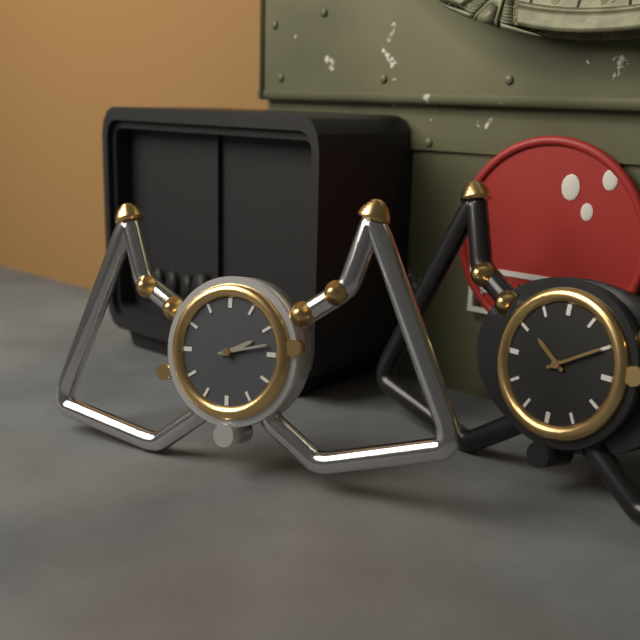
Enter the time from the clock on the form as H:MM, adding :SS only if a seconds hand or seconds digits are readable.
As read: 2:13
